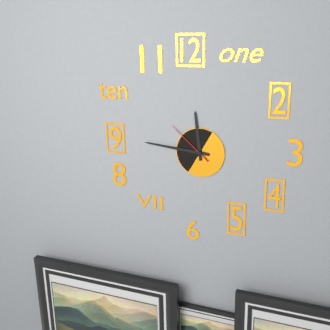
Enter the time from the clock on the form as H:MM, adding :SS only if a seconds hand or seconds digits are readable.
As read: 11:46:52
